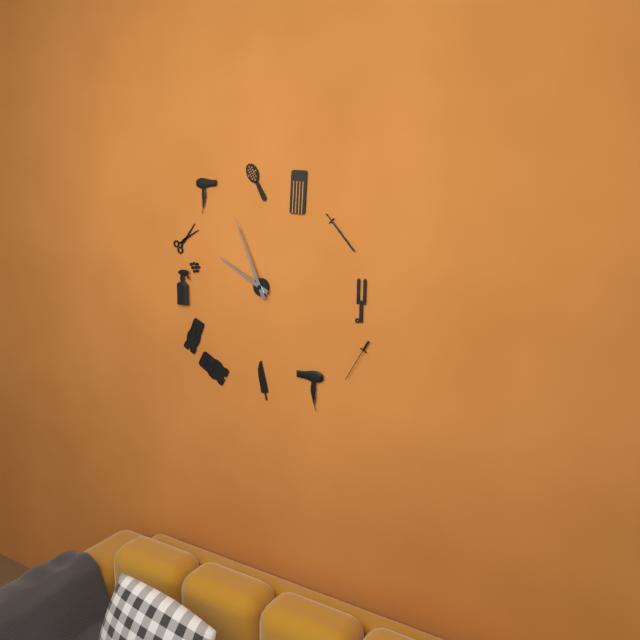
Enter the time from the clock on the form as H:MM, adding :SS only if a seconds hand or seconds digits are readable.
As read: 9:56
